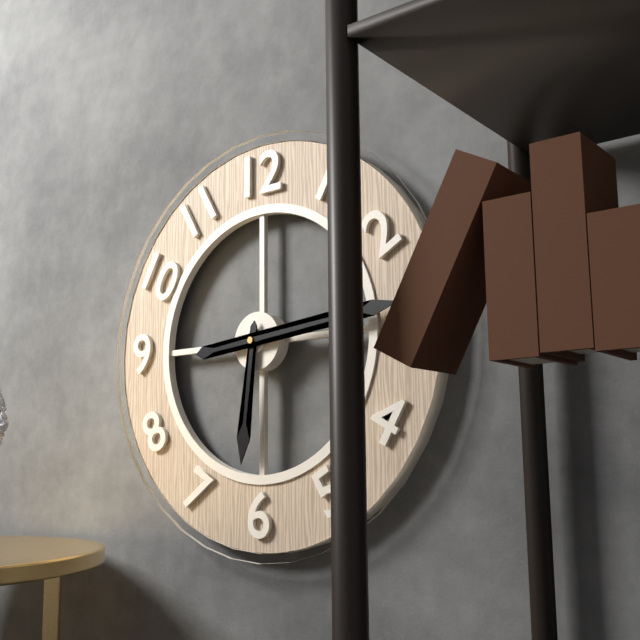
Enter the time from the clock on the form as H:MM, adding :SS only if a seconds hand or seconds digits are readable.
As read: 6:14
